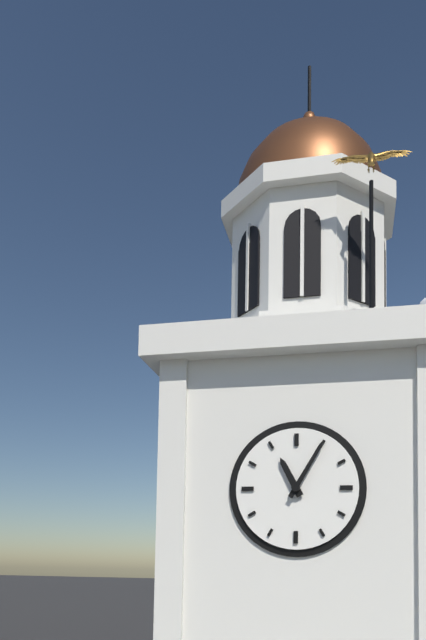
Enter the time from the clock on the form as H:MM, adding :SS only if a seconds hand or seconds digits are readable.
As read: 11:05
